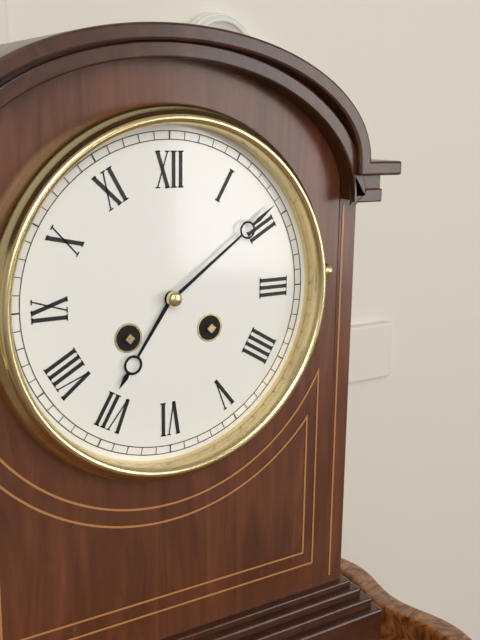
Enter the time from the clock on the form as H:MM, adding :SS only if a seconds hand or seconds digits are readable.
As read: 7:09
